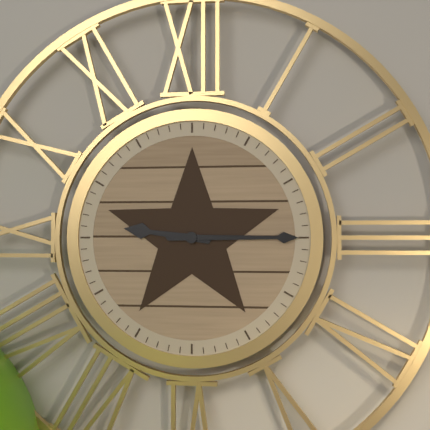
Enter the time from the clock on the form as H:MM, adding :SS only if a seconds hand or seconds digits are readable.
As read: 9:15
